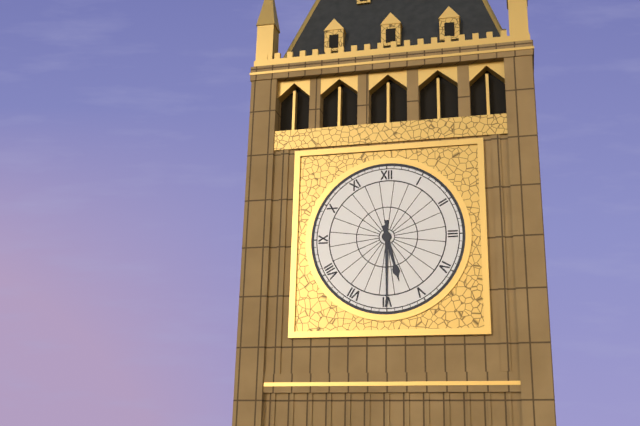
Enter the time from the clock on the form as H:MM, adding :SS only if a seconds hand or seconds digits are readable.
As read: 5:30
